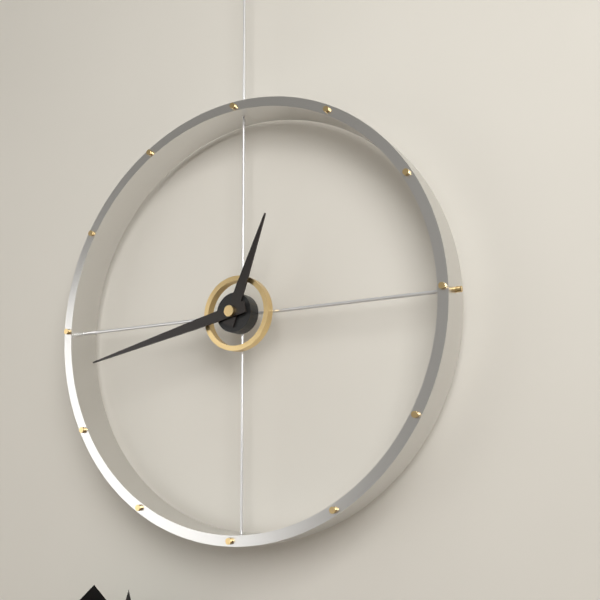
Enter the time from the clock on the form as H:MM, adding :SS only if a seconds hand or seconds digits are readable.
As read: 12:43
